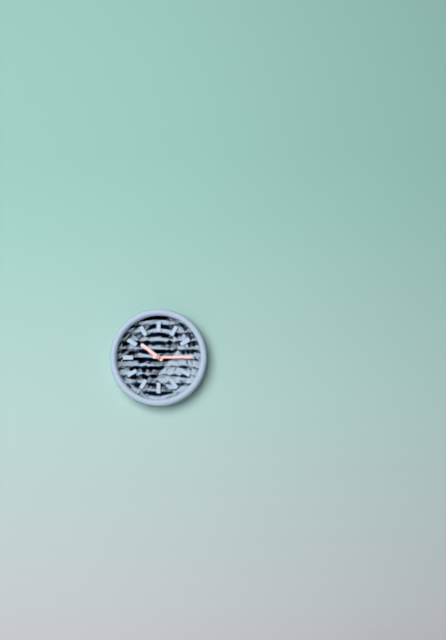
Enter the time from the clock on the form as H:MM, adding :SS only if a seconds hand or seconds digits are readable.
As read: 10:15
